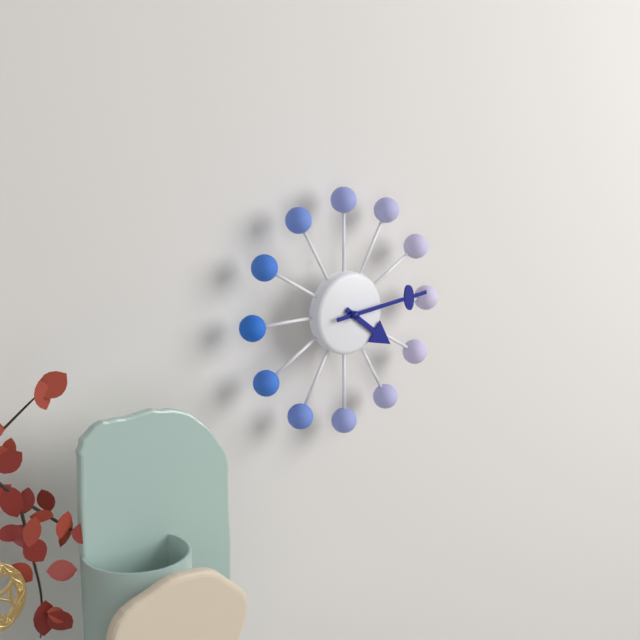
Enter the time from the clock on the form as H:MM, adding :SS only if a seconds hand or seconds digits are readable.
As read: 4:14
